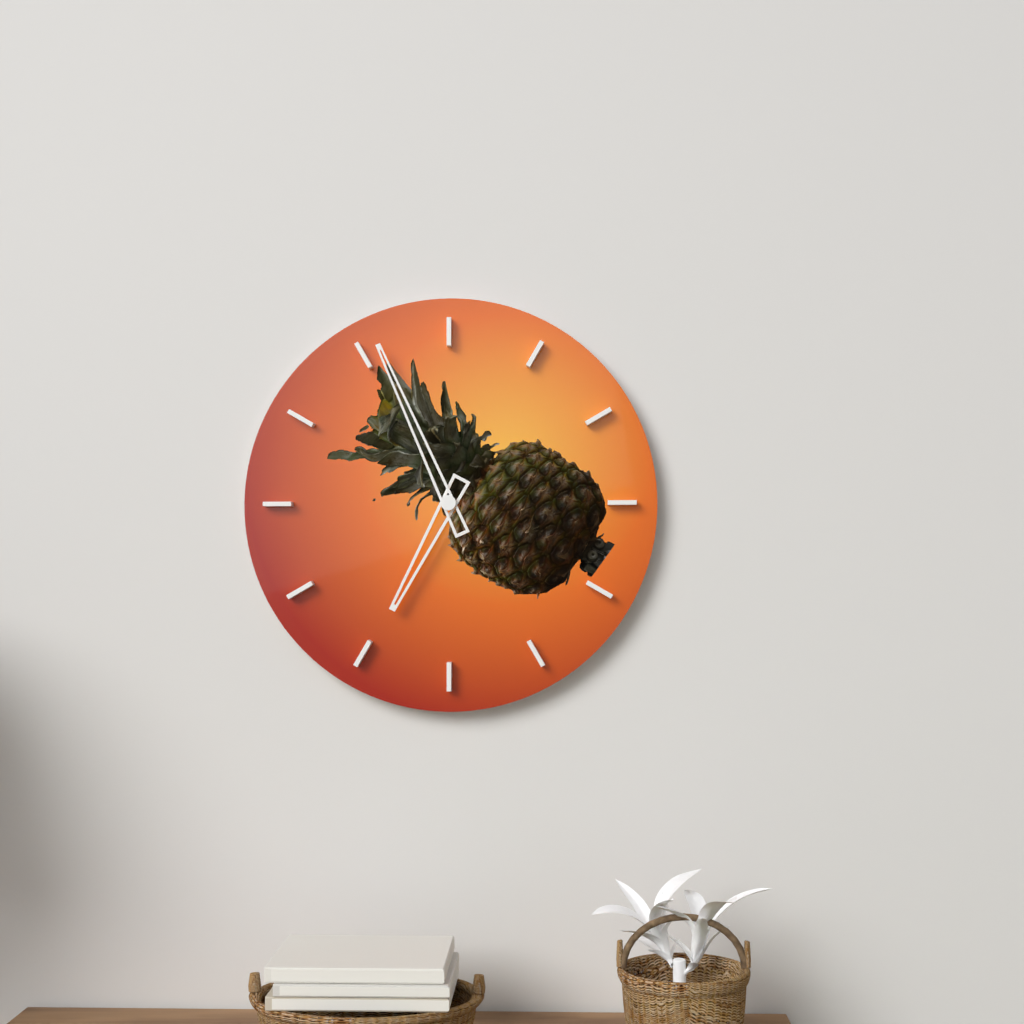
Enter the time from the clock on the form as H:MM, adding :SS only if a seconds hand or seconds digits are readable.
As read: 6:56
